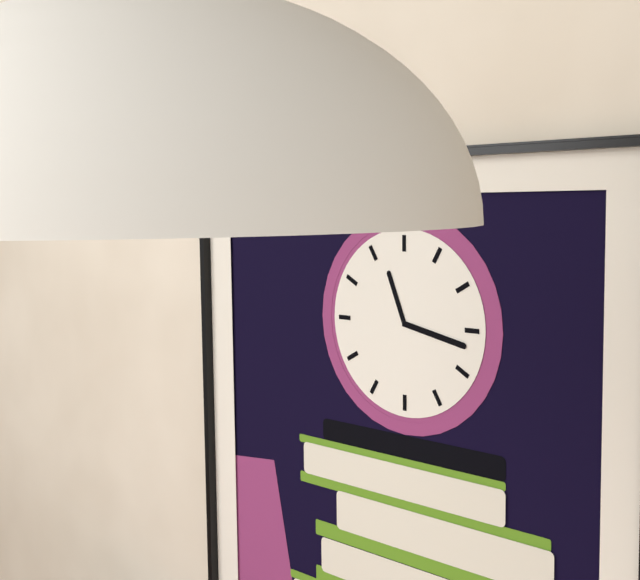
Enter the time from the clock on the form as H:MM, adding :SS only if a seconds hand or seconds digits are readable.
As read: 11:17
